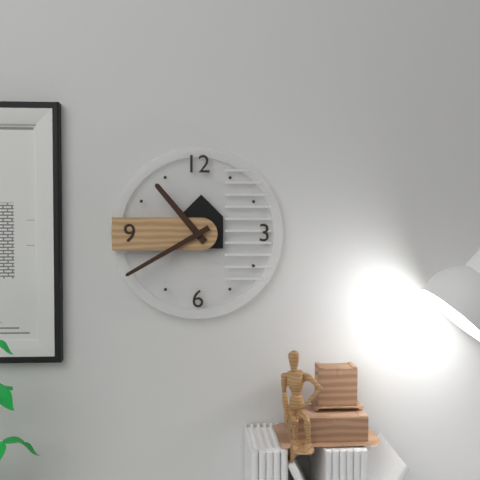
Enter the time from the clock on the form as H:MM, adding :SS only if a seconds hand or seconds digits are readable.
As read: 10:40
